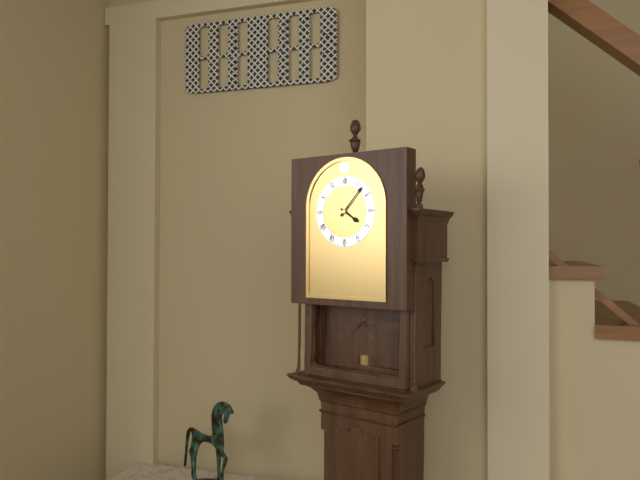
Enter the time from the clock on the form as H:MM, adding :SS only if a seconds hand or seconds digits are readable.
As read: 4:07
